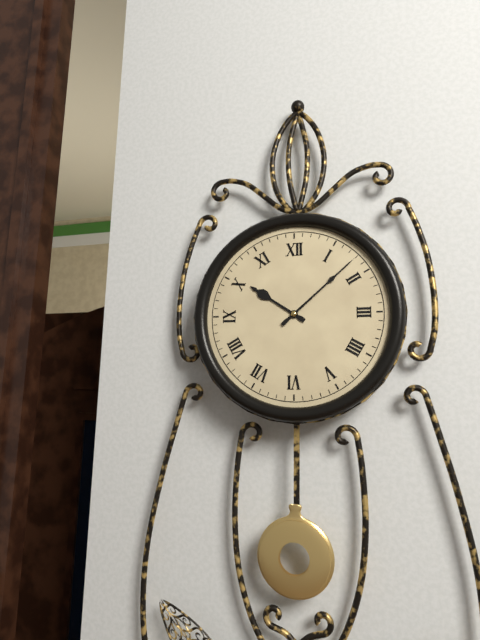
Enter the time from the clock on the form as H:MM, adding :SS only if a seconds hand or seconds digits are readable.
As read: 10:08
